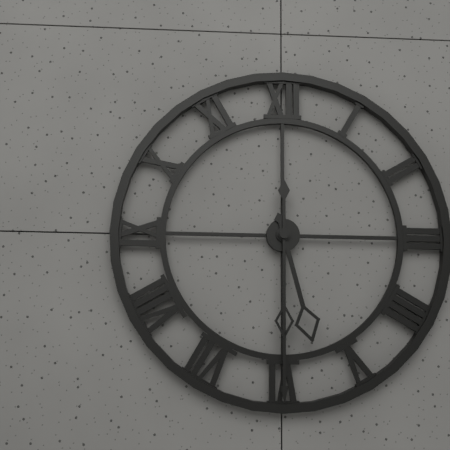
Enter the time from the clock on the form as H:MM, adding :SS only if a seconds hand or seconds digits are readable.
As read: 5:30
